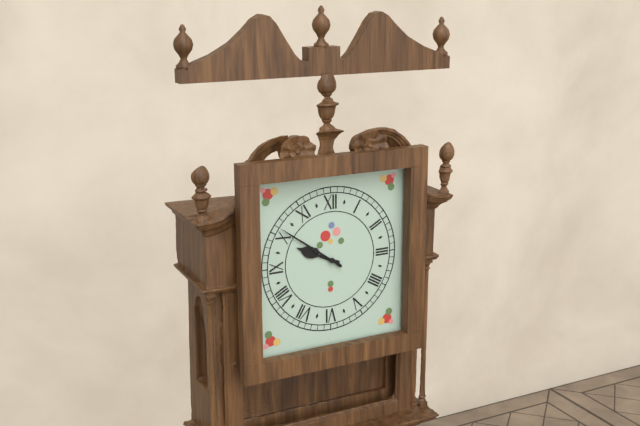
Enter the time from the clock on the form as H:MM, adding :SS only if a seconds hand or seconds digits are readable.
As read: 9:51
